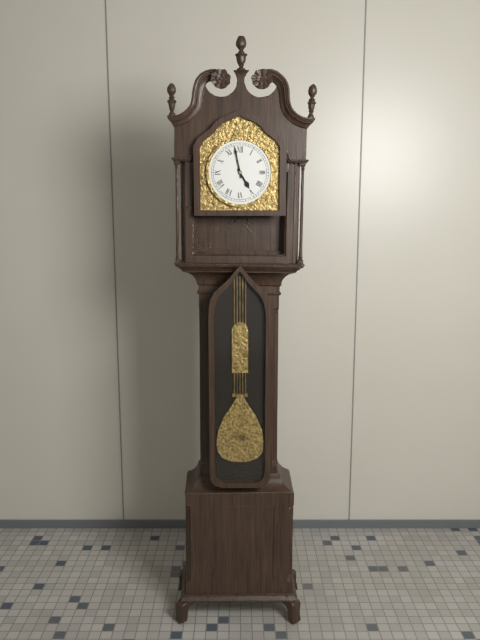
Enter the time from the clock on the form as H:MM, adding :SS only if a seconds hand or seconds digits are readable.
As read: 4:58
